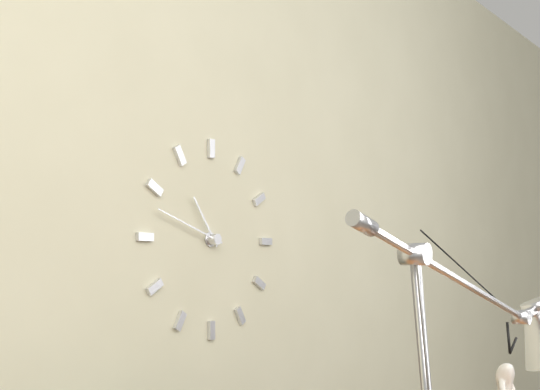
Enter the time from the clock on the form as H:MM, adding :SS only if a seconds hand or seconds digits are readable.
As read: 10:48
